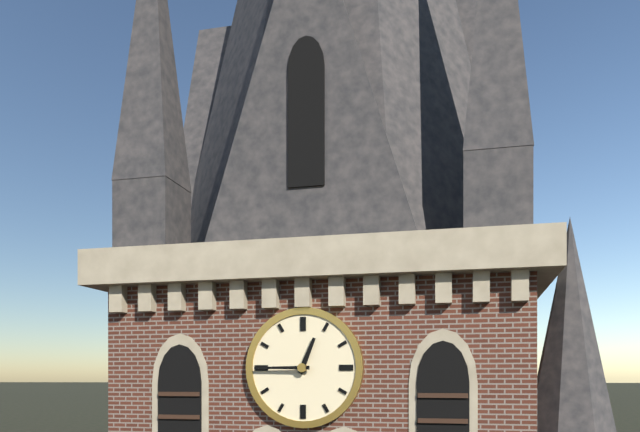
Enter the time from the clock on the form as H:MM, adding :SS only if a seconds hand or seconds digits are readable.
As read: 12:45
